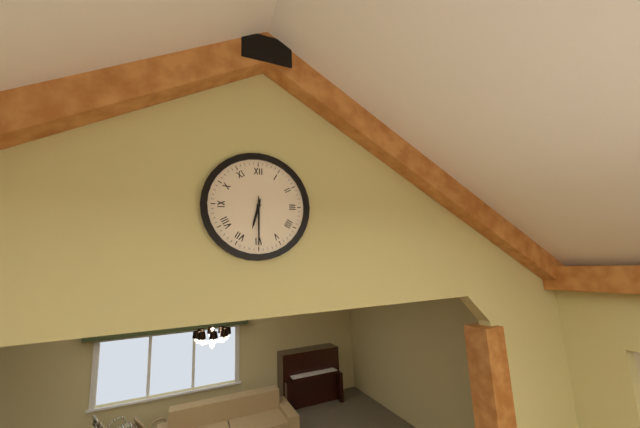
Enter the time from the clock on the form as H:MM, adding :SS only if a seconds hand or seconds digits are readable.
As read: 6:30
